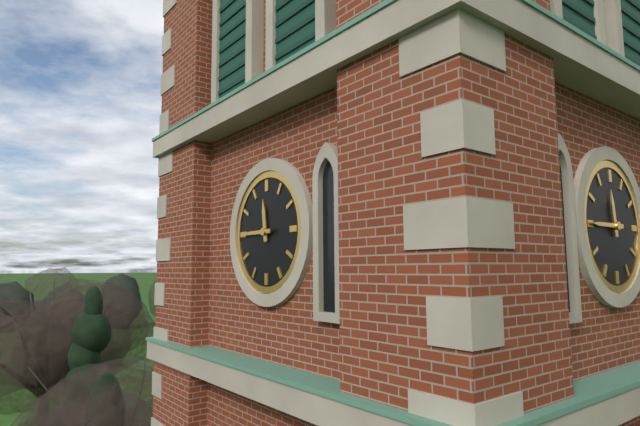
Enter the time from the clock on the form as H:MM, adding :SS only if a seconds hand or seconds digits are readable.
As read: 11:45
